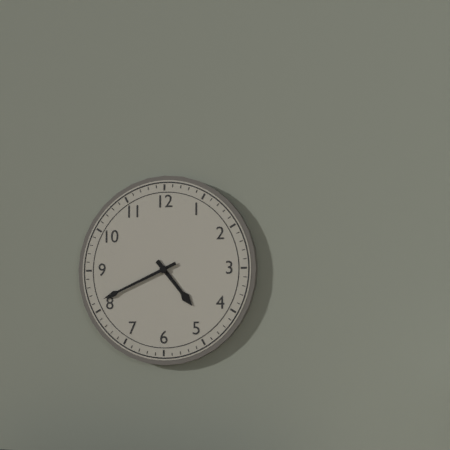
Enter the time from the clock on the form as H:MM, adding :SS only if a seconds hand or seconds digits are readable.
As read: 4:41
